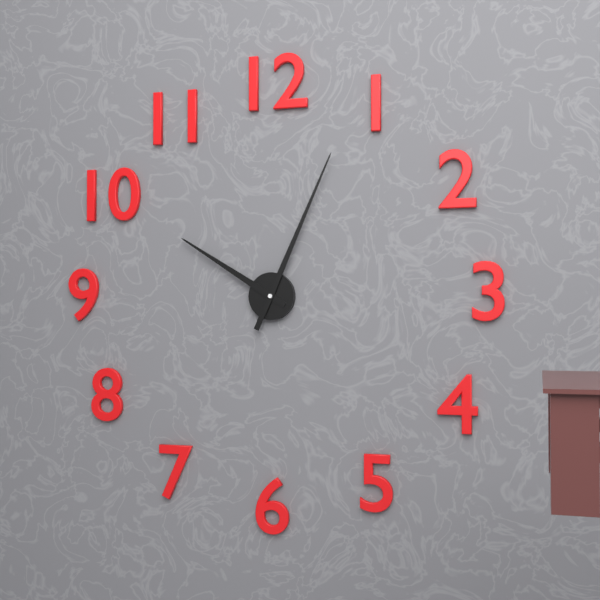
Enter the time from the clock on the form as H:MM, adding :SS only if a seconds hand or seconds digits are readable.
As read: 10:04
